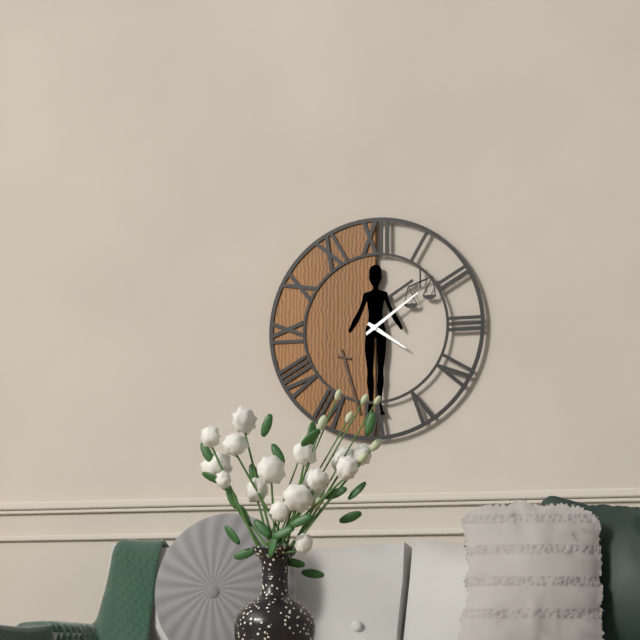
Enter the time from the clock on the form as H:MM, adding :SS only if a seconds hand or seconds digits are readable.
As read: 4:09
